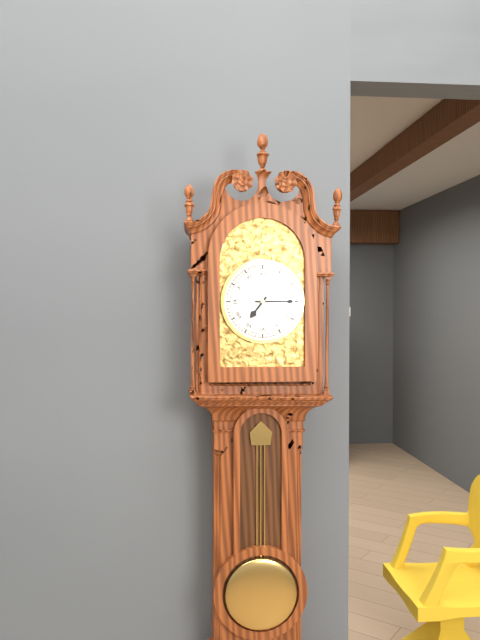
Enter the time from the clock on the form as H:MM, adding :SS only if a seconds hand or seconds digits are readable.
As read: 7:15
